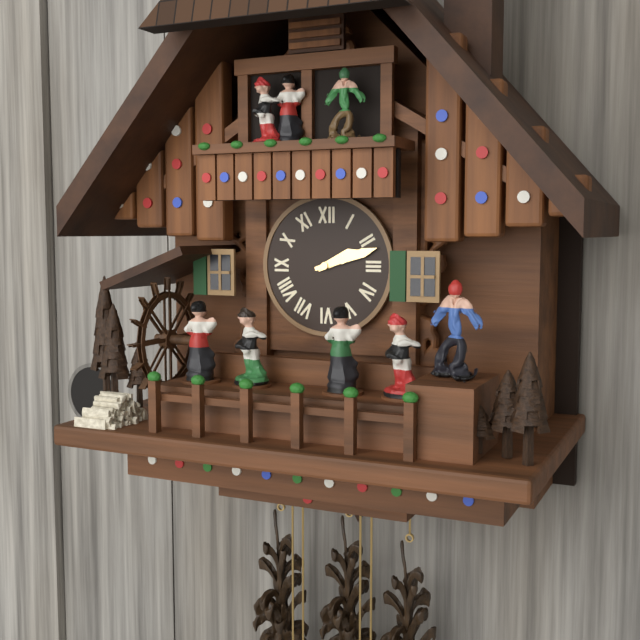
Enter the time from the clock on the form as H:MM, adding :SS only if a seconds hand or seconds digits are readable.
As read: 2:12
